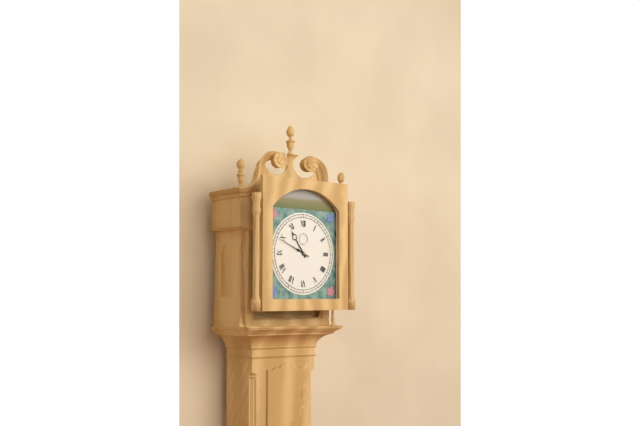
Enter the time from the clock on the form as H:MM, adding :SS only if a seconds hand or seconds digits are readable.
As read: 10:49
